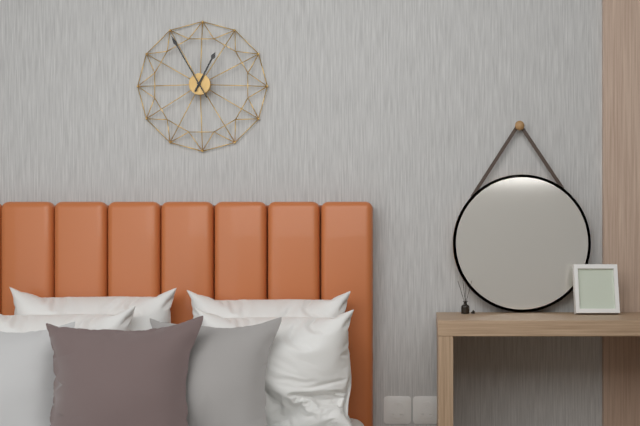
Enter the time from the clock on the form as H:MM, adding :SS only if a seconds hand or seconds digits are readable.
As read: 12:55
